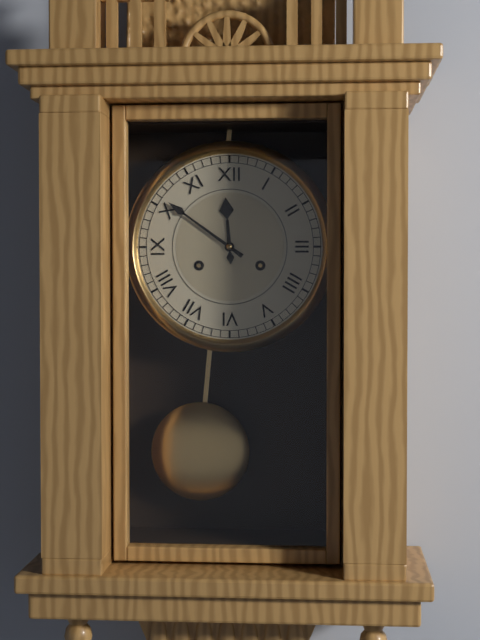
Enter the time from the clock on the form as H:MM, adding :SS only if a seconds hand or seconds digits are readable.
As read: 11:51
